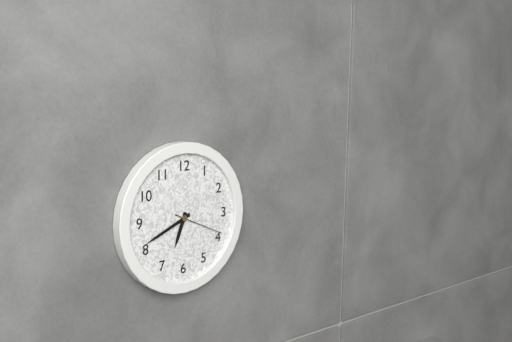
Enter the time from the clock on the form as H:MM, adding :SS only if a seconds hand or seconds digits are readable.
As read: 6:41:19
